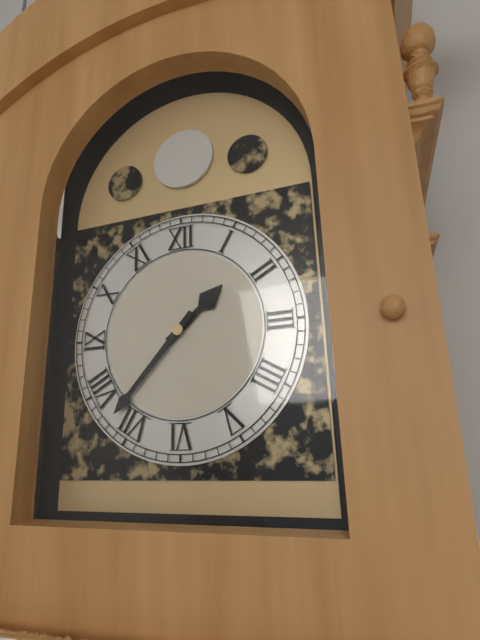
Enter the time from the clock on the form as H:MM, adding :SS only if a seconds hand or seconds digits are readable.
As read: 1:37
